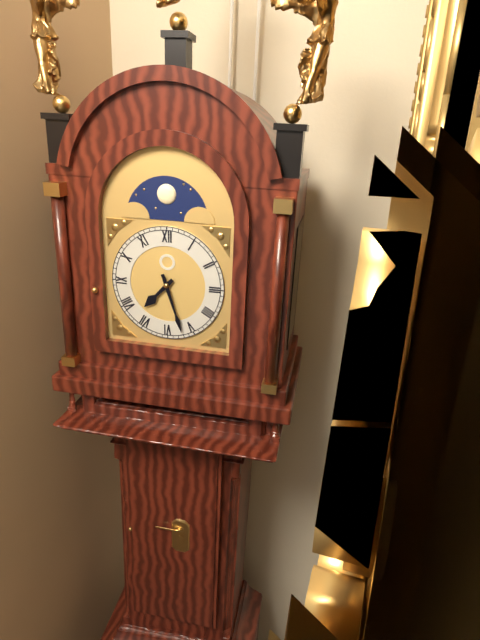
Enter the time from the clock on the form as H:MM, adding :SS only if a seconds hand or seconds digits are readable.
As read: 7:27
